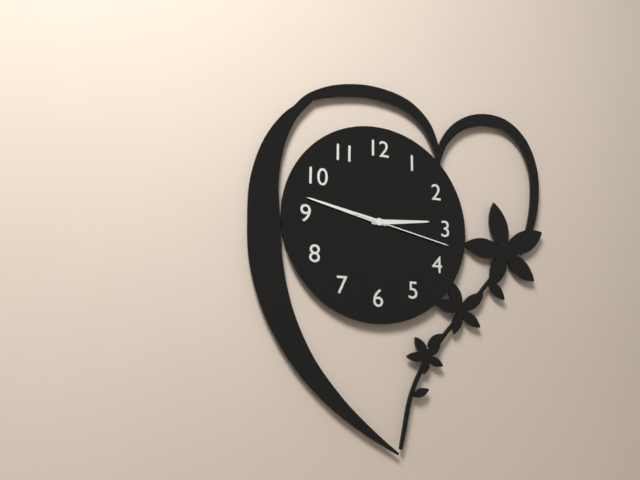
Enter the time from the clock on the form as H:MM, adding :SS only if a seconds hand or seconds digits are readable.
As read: 2:47:17
